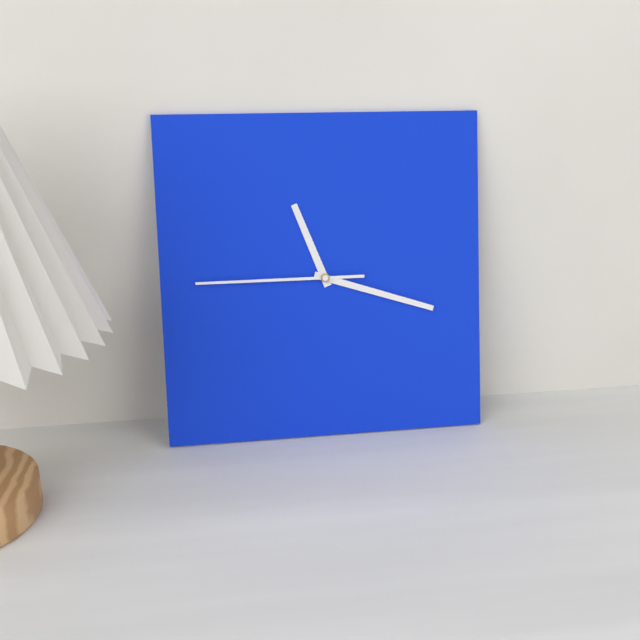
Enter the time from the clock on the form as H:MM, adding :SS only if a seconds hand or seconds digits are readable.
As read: 11:18:45
